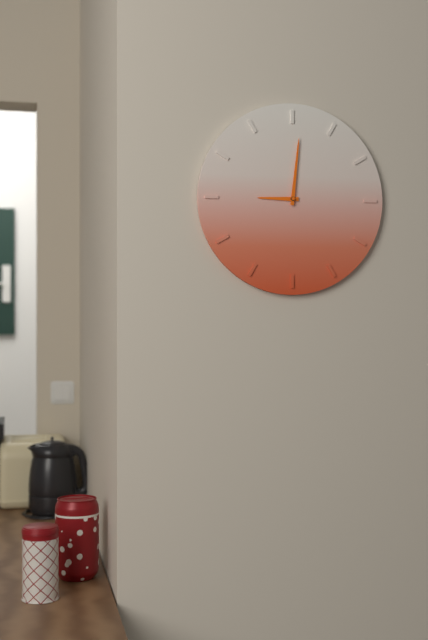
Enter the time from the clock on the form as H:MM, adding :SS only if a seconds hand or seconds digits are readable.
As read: 9:01
